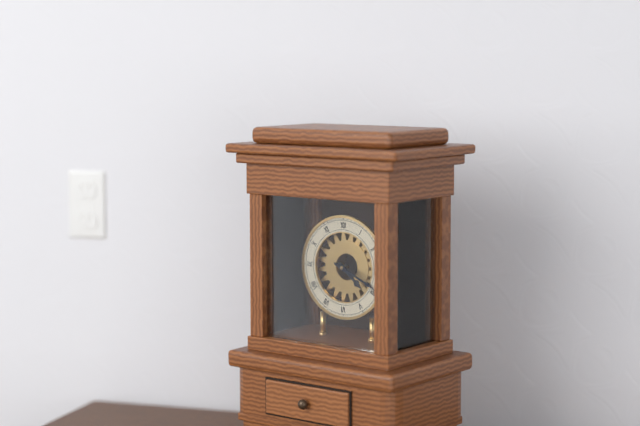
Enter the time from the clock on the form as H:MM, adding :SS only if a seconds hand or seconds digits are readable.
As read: 4:19
